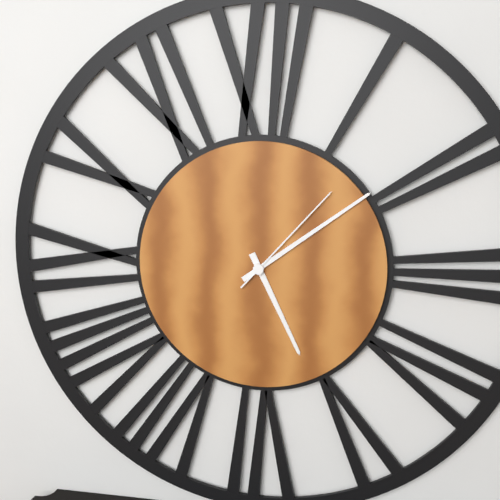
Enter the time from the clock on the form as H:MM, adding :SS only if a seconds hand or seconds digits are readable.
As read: 5:09:07
